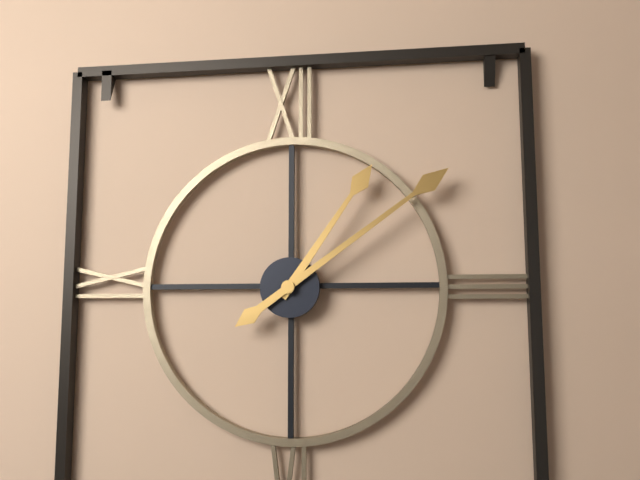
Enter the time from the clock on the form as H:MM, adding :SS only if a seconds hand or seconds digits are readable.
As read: 1:09
